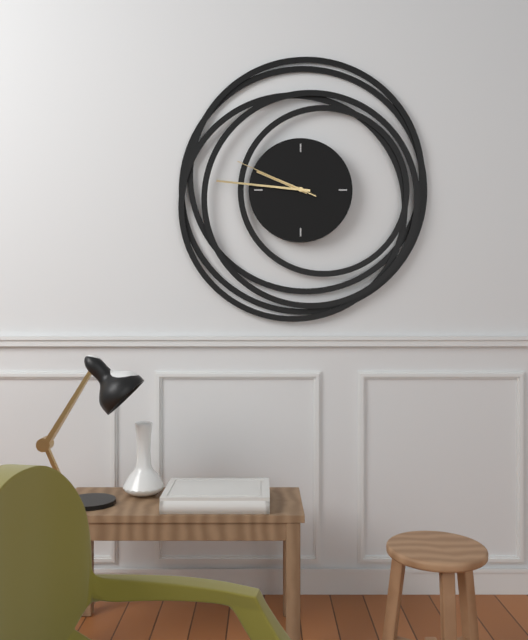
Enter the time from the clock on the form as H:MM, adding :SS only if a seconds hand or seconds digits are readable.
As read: 9:46:49
